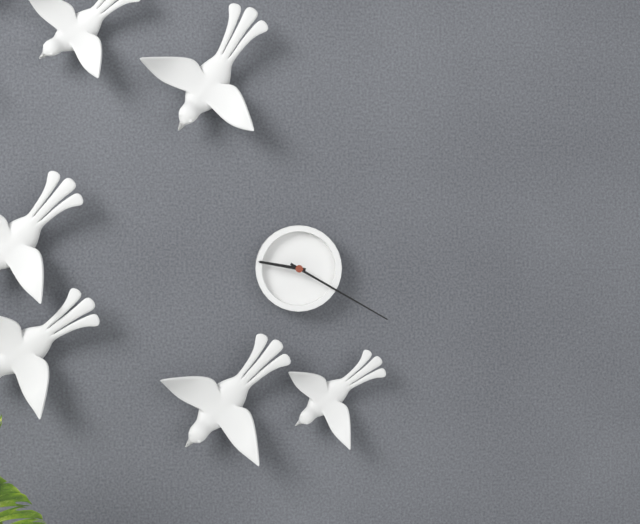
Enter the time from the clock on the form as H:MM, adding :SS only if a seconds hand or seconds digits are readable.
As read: 9:20
